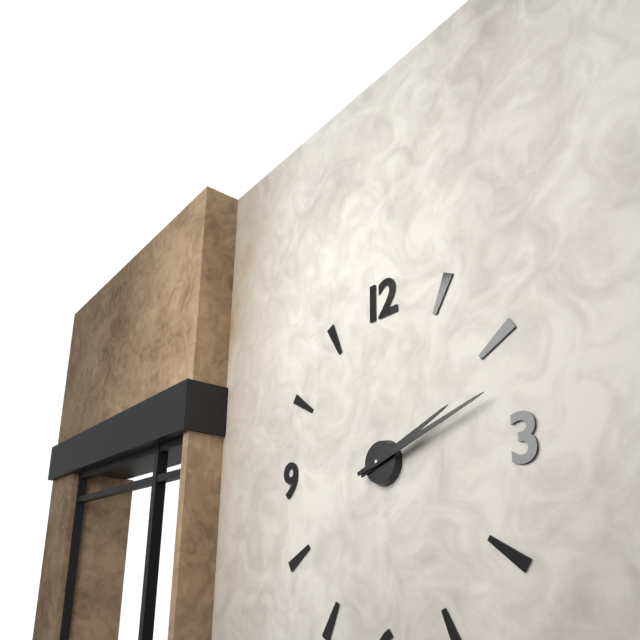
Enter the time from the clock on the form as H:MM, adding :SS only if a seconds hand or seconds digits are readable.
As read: 2:12
